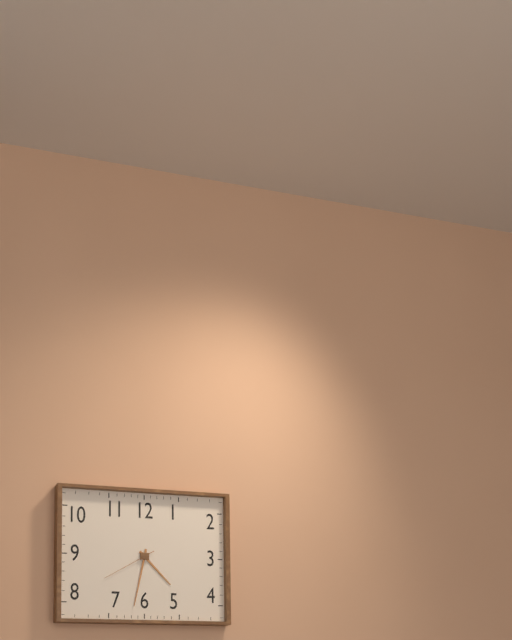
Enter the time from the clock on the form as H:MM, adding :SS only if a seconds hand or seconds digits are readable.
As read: 4:32:40
